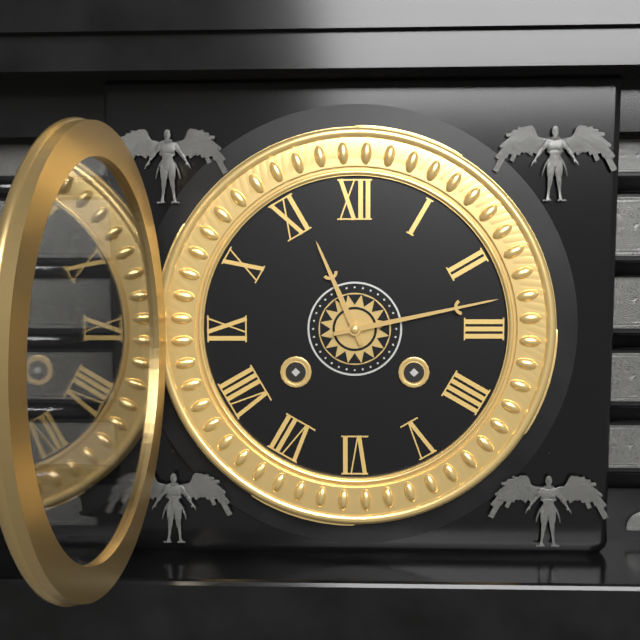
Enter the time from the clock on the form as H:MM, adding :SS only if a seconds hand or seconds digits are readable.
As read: 11:13
